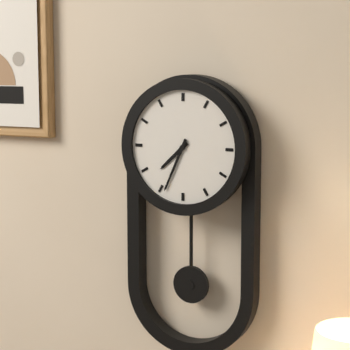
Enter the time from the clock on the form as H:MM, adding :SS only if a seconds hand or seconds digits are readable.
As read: 7:34
